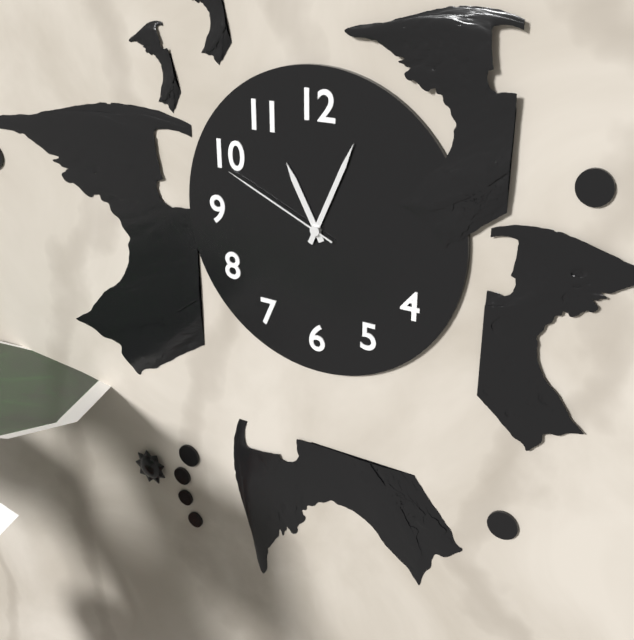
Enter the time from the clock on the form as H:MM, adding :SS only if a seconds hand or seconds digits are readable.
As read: 11:04:49
